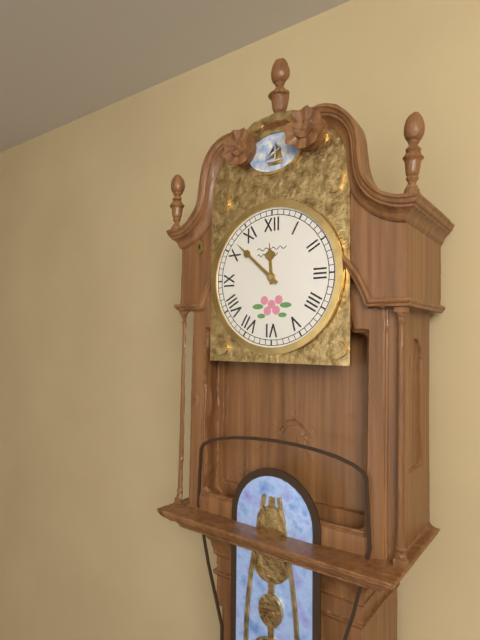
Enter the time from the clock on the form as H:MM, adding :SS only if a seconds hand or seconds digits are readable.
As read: 11:52
